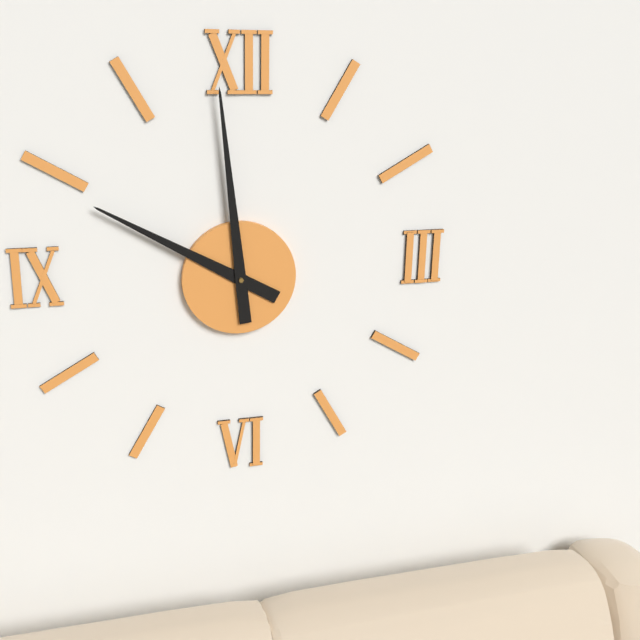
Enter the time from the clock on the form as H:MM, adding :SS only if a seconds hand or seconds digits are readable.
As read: 9:59
